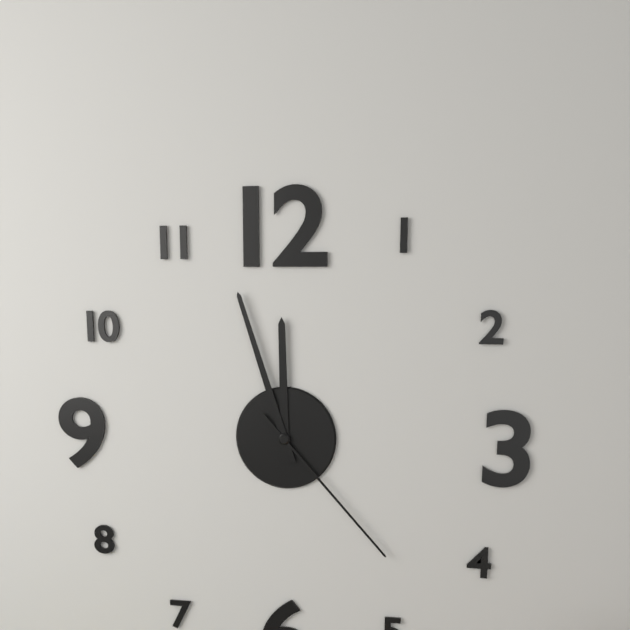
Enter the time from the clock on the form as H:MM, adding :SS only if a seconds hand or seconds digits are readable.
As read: 11:57:23
